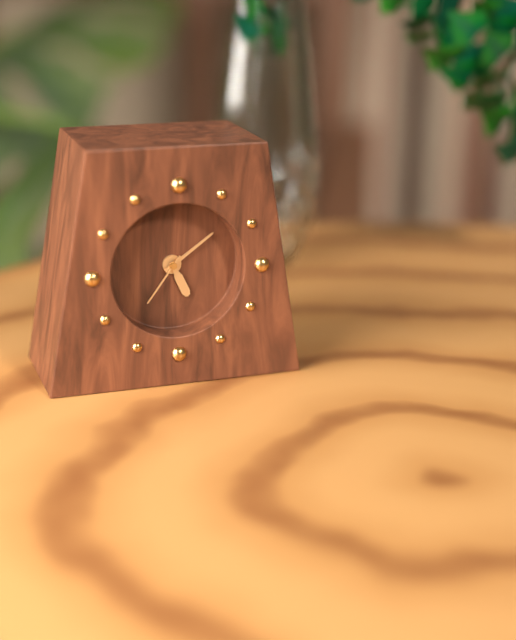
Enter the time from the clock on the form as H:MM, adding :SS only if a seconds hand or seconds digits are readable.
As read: 5:09:36
